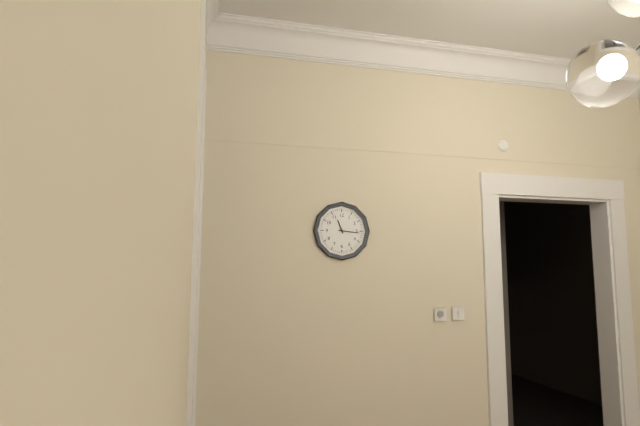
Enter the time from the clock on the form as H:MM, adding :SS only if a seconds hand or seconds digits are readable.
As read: 11:16
